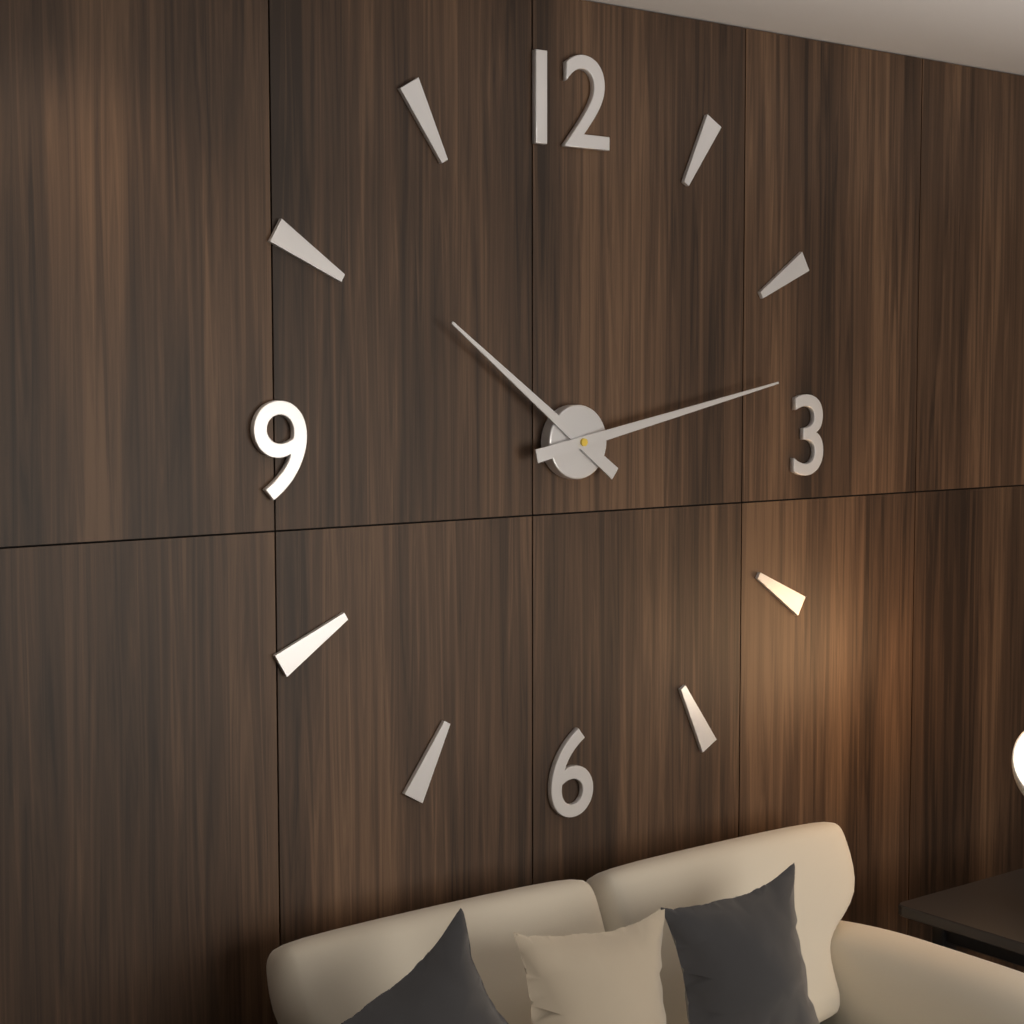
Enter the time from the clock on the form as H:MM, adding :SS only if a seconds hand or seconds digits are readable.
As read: 10:13
